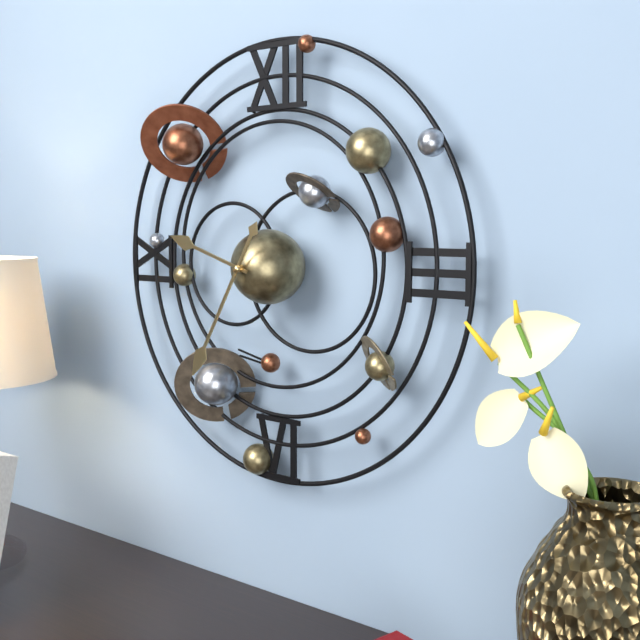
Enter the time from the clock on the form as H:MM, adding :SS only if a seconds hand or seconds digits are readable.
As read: 9:35
